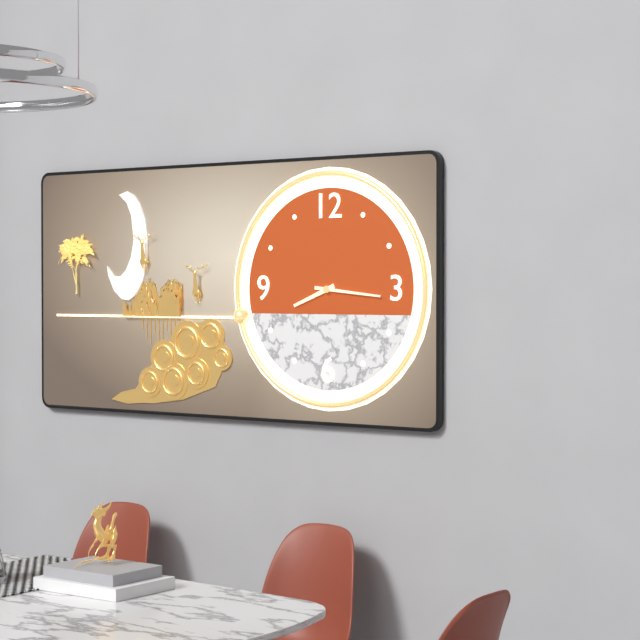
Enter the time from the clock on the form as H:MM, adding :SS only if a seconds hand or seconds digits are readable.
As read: 8:16
